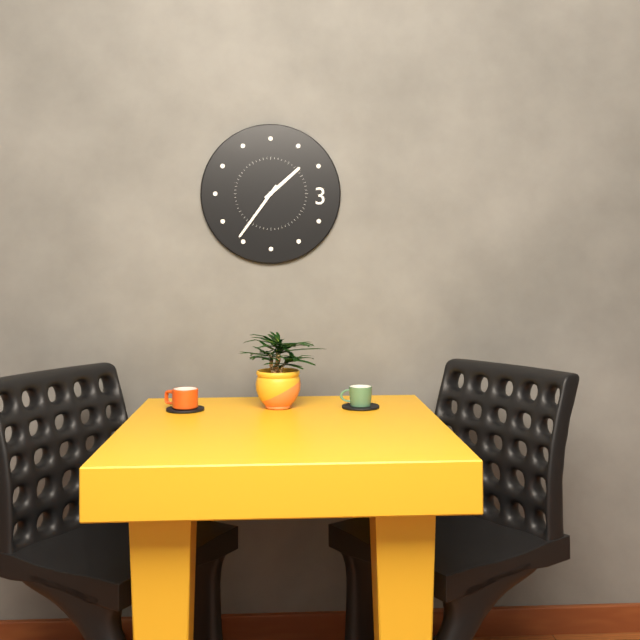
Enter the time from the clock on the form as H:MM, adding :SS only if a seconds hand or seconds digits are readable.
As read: 1:36
